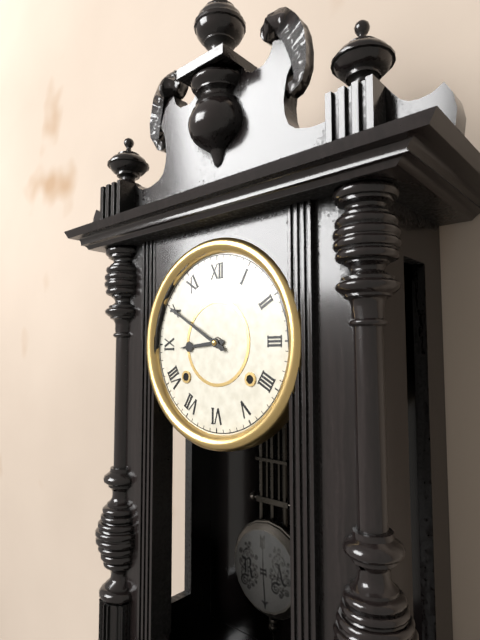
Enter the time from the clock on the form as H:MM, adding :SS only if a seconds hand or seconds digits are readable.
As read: 8:50
